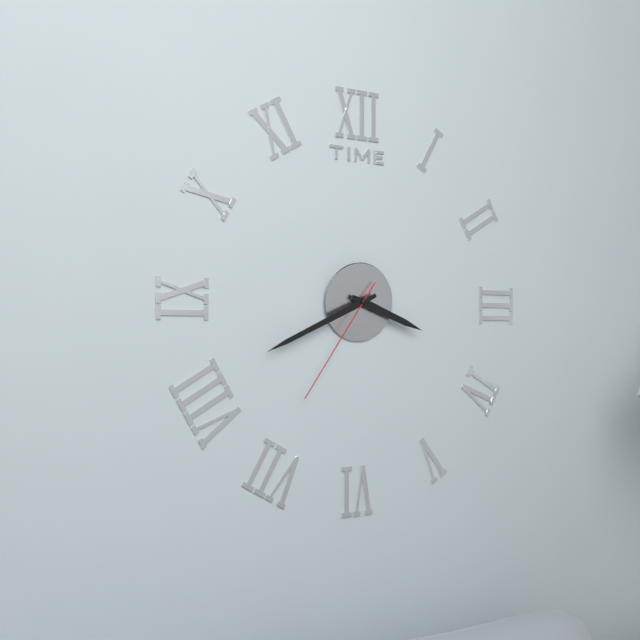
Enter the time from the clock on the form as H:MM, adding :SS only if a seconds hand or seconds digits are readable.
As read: 3:41:36
